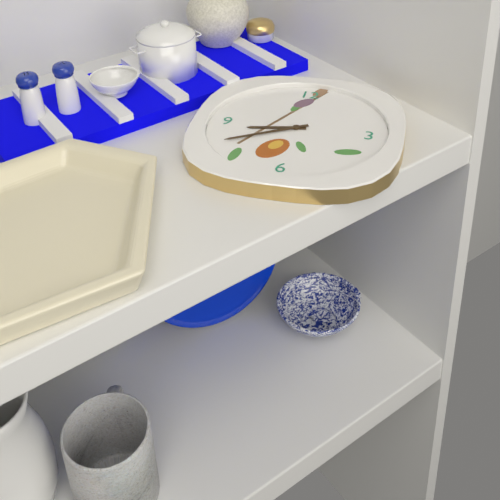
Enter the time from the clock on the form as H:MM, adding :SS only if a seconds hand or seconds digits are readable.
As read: 8:40
